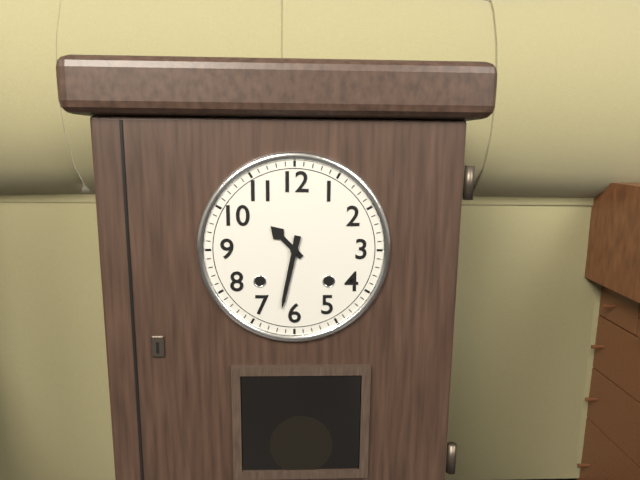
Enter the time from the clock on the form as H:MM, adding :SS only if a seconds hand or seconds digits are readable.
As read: 10:32
